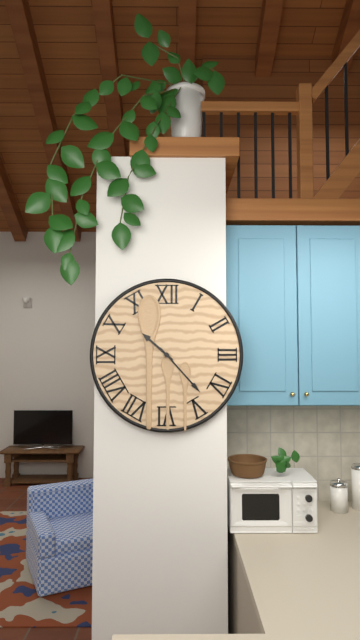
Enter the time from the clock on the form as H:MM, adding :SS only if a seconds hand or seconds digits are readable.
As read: 10:23
